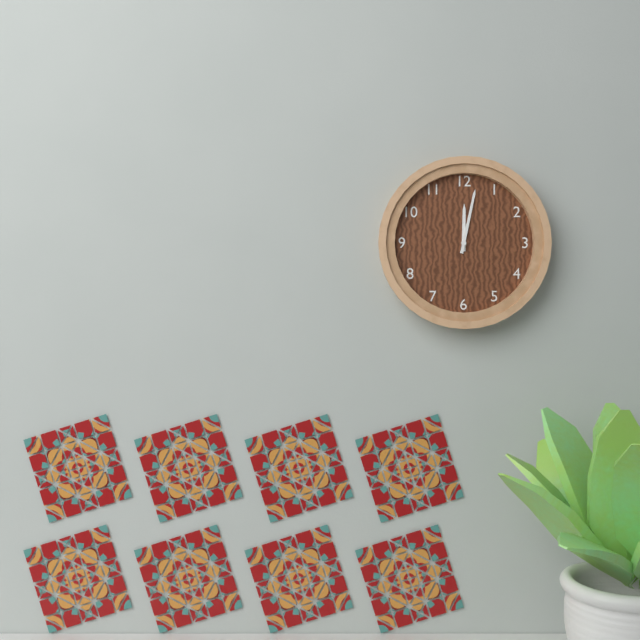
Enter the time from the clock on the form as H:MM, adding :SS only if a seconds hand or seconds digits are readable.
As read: 12:02
